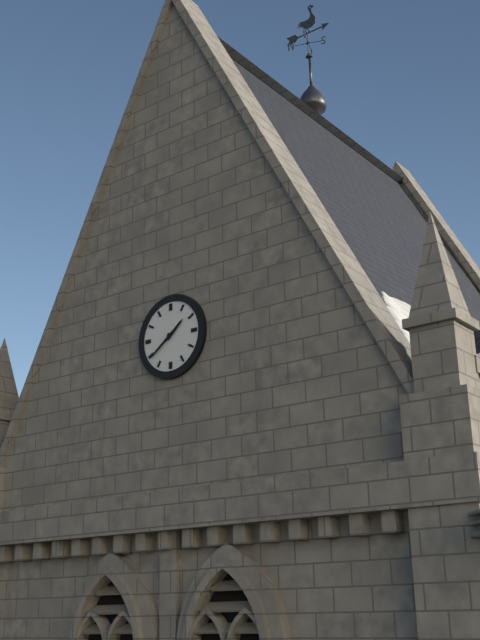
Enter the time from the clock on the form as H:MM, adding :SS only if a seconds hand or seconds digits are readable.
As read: 1:39
